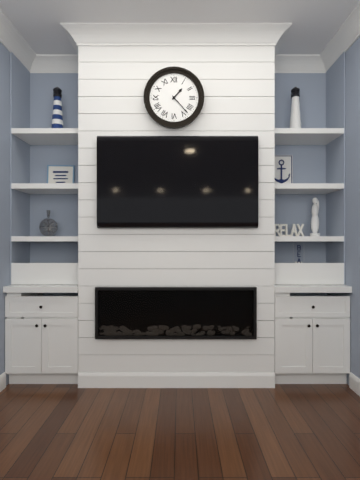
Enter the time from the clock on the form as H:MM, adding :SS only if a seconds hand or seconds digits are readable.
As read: 1:23
